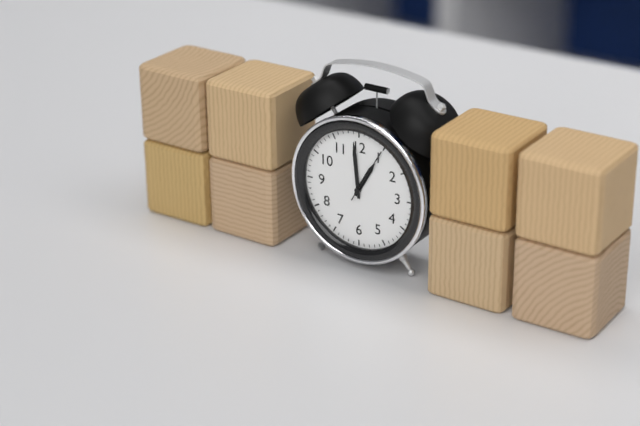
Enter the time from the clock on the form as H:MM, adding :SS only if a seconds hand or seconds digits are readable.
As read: 12:59:05
